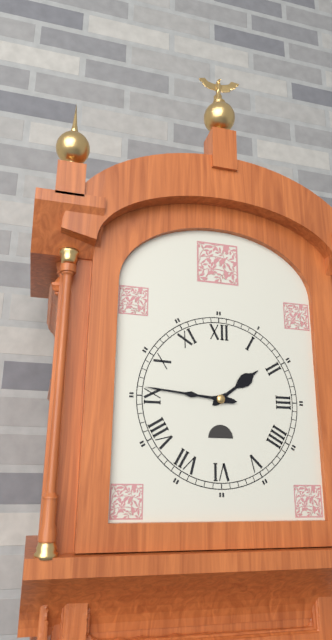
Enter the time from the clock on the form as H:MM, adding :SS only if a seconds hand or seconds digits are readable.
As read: 1:46
